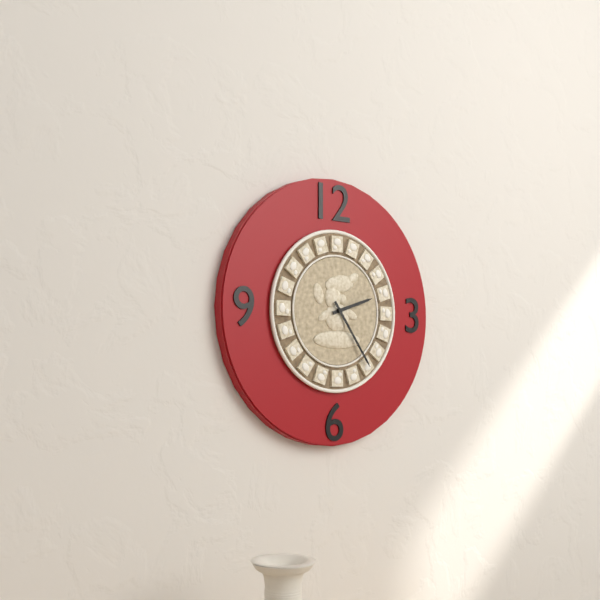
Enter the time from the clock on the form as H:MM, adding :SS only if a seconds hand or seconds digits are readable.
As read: 2:24
